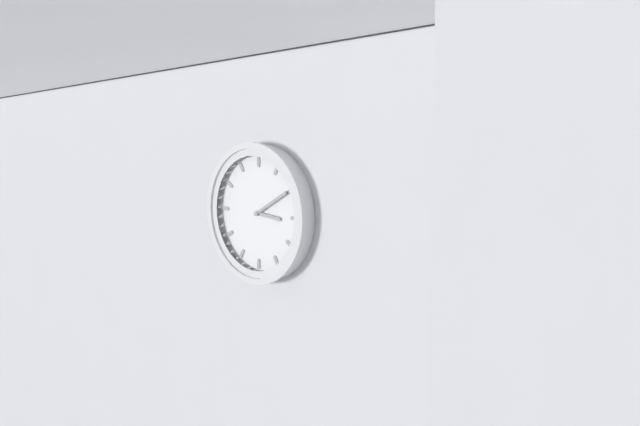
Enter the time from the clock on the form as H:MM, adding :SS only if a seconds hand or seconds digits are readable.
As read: 3:10
